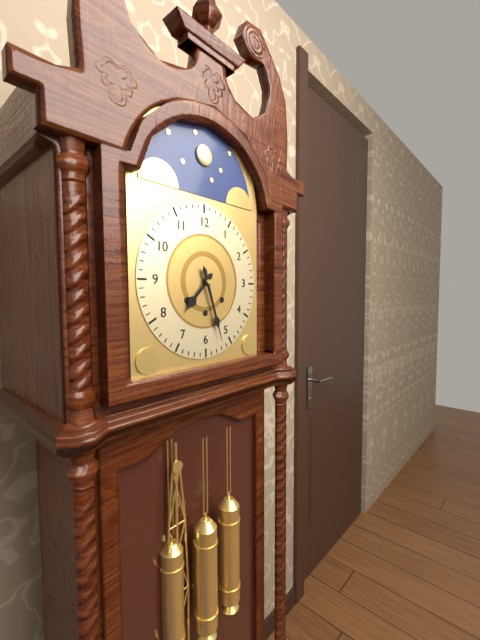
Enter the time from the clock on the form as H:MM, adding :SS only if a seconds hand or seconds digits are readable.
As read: 7:27
